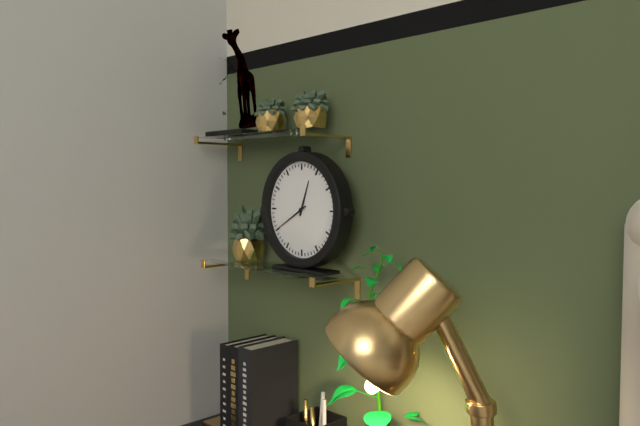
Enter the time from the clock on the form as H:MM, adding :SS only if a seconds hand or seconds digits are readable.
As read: 12:40
